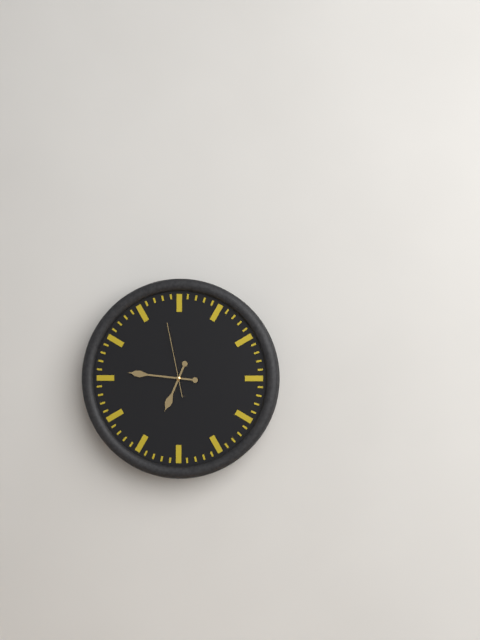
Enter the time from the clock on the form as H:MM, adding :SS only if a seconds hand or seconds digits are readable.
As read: 6:46:58
